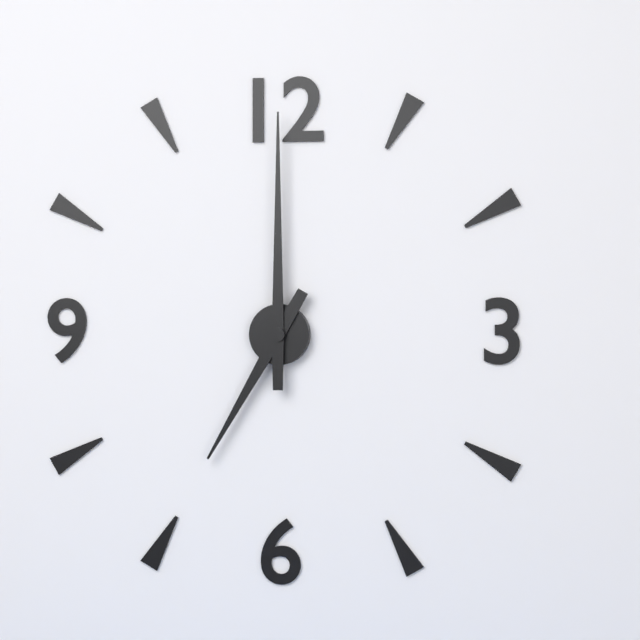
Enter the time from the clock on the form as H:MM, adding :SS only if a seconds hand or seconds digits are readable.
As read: 7:00
